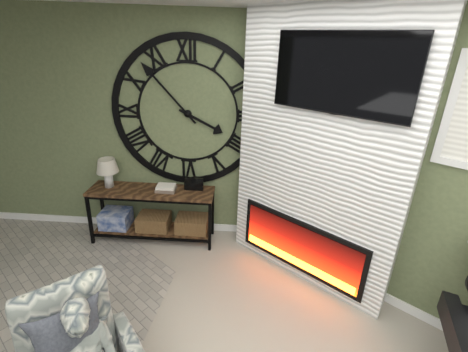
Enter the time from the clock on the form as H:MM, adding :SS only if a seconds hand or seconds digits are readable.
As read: 3:53
